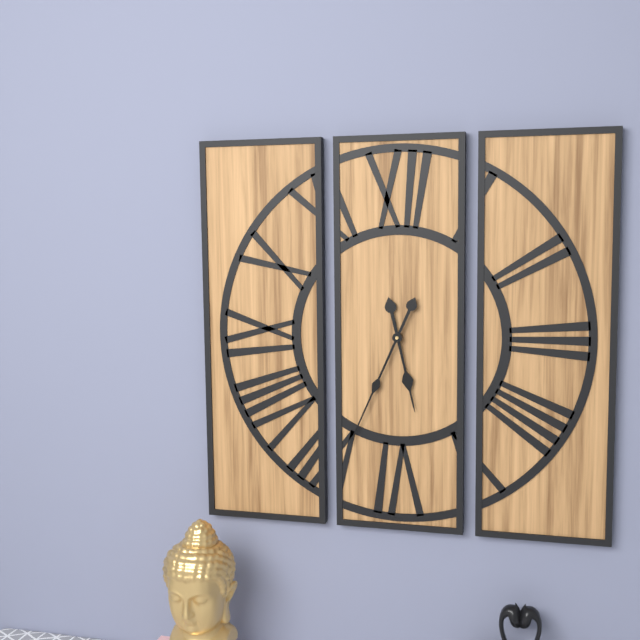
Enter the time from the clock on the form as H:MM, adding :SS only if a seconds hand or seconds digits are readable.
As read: 5:34
